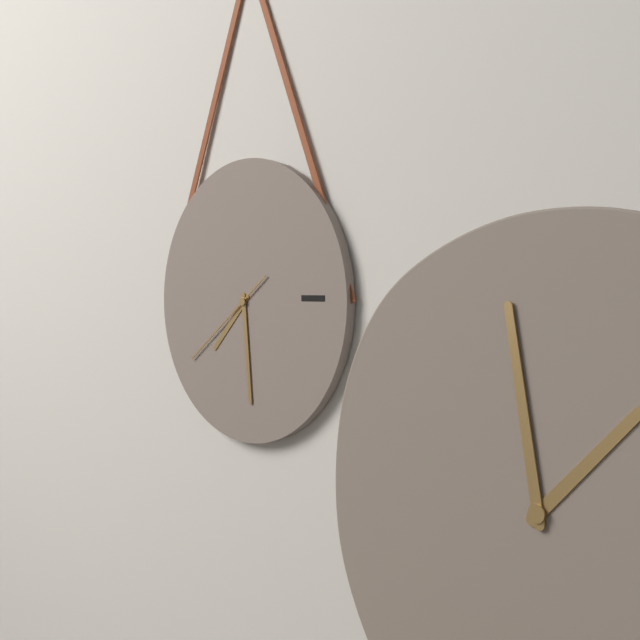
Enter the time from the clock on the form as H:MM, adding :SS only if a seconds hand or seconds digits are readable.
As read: 7:29:39
